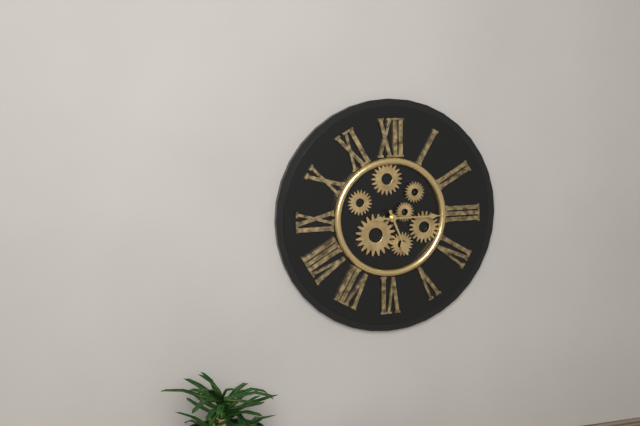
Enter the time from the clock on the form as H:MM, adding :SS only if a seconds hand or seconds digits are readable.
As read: 5:15
